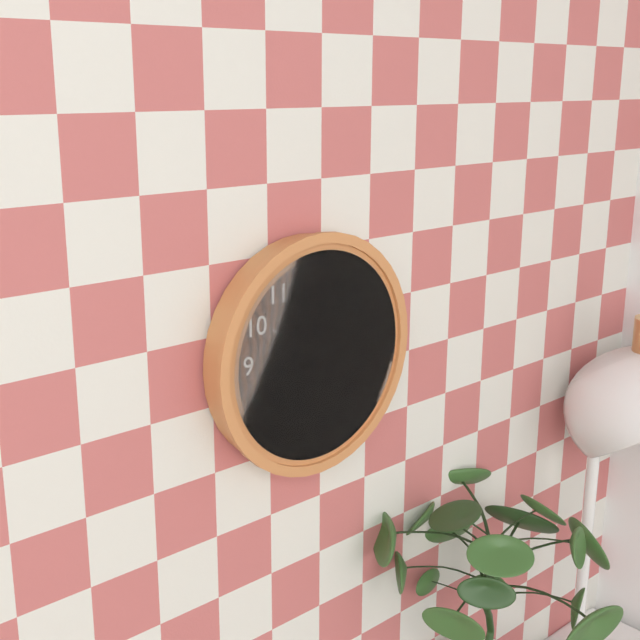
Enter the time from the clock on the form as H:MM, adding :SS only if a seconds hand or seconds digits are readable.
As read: 10:10
